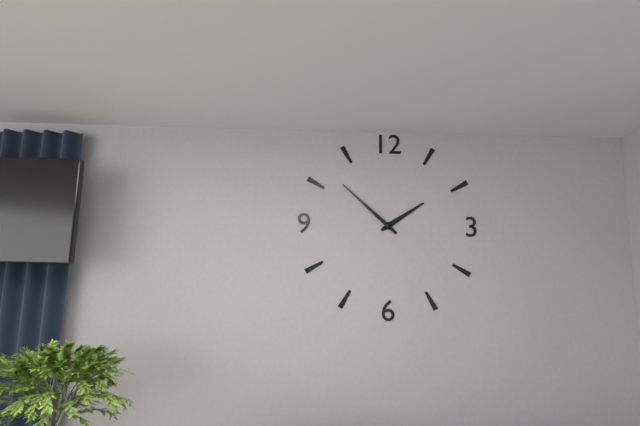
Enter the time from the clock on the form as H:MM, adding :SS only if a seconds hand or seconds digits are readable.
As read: 1:52
